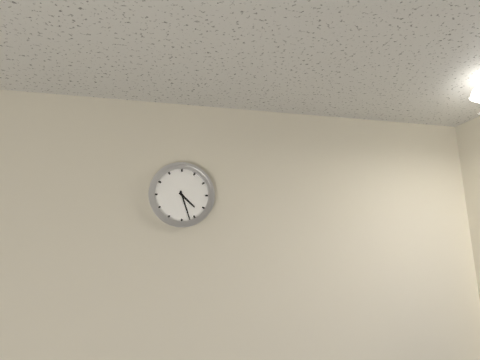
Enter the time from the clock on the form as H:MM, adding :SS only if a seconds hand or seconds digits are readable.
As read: 4:27
